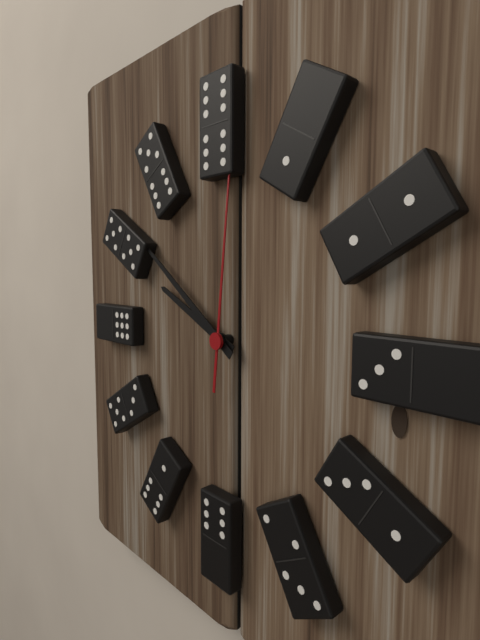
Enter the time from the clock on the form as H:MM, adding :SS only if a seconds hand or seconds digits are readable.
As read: 9:51:01
